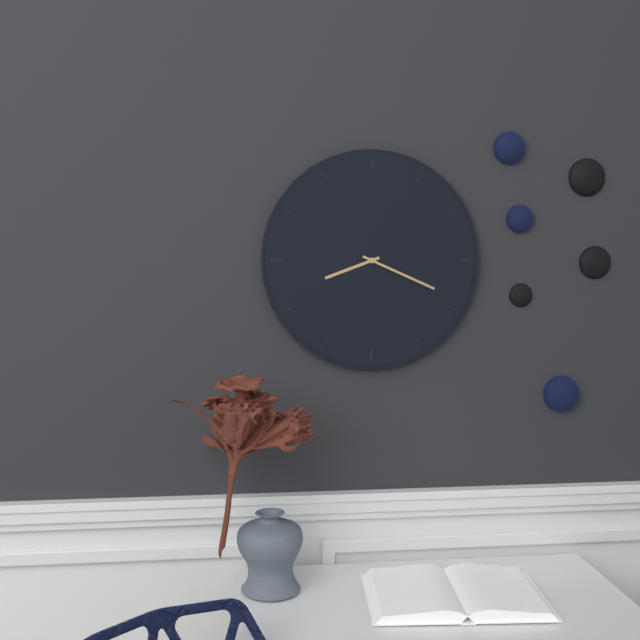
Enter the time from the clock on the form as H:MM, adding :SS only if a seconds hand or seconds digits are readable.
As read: 8:19
